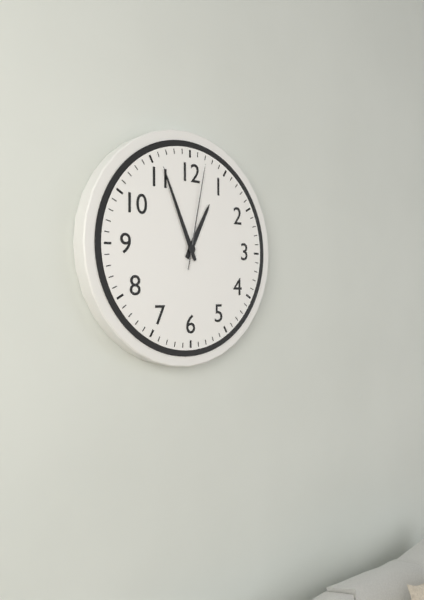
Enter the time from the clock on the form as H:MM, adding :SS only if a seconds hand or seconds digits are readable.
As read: 12:56:02
